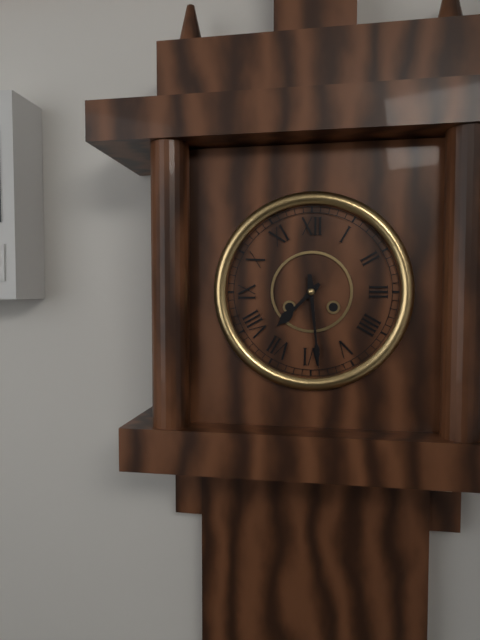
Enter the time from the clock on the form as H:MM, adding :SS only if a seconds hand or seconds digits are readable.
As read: 7:29
